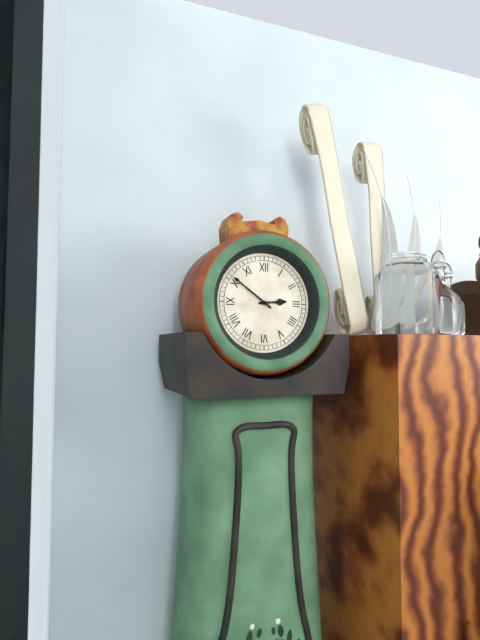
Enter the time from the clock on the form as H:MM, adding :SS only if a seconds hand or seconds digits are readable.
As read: 2:51
